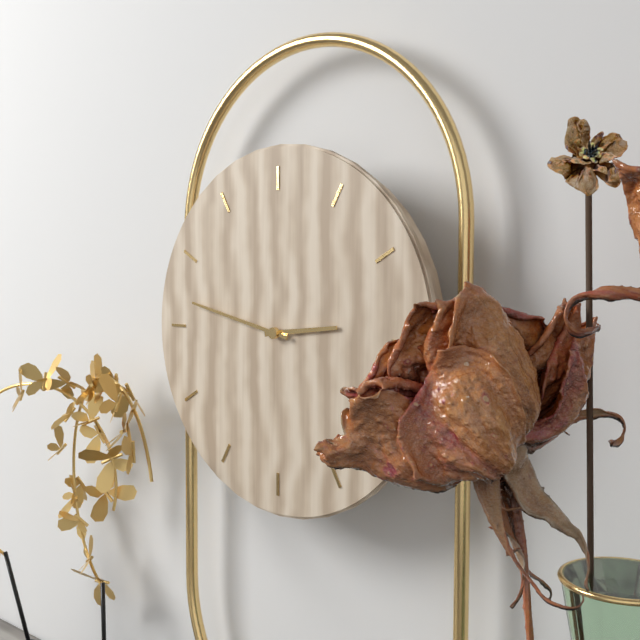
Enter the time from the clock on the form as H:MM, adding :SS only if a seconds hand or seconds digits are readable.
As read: 2:47
